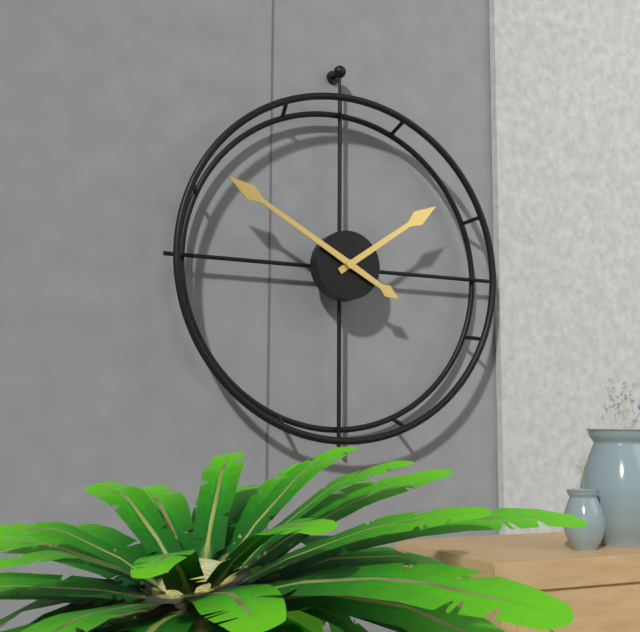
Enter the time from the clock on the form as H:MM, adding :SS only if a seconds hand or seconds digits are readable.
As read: 1:50
